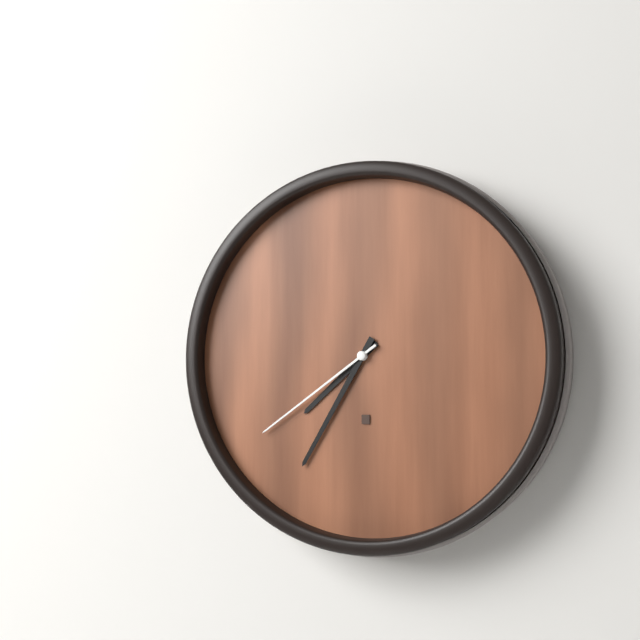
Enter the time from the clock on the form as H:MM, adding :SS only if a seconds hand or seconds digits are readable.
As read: 7:35:39
